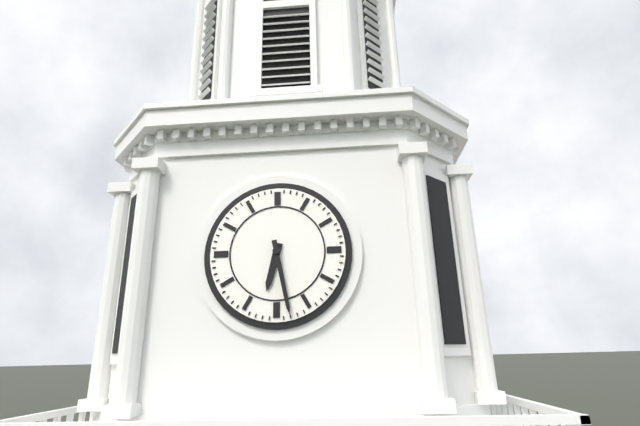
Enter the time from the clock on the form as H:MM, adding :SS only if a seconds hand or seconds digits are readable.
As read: 6:28
